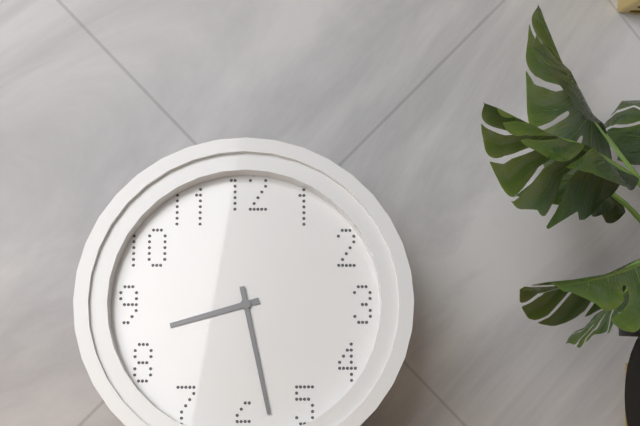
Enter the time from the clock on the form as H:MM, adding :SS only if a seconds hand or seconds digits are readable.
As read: 8:28
